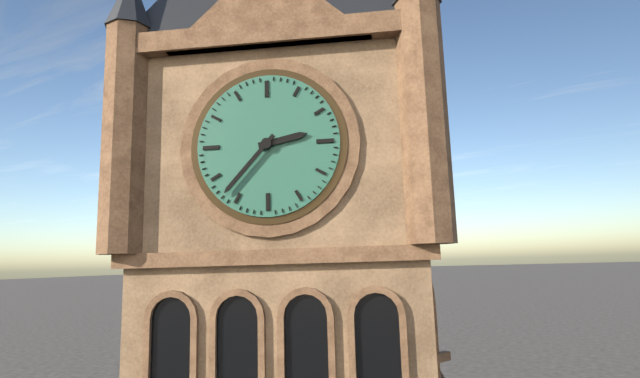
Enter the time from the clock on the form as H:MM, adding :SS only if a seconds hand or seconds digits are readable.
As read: 2:37
